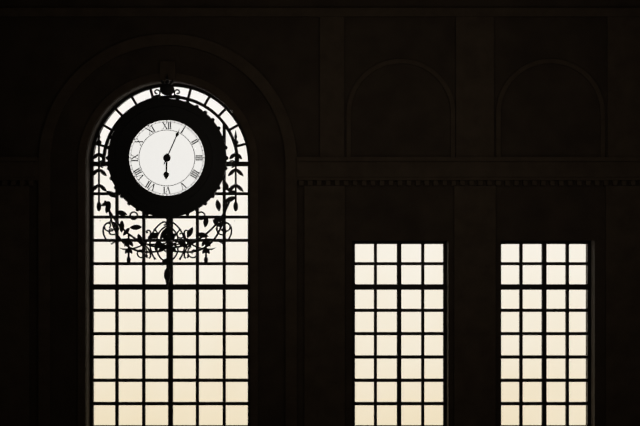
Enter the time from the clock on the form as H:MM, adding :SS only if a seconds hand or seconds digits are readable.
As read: 6:04
